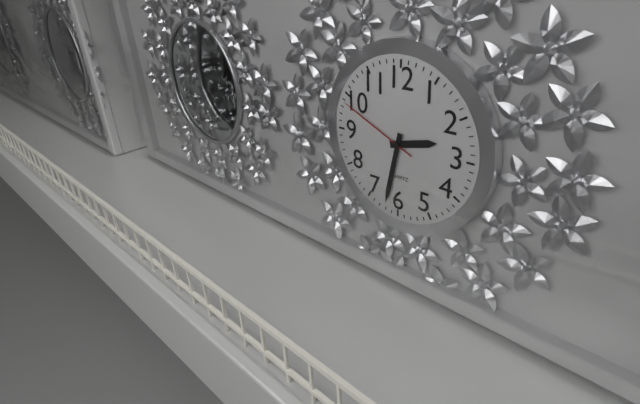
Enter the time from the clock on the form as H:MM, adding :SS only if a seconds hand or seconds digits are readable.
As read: 2:32:49
